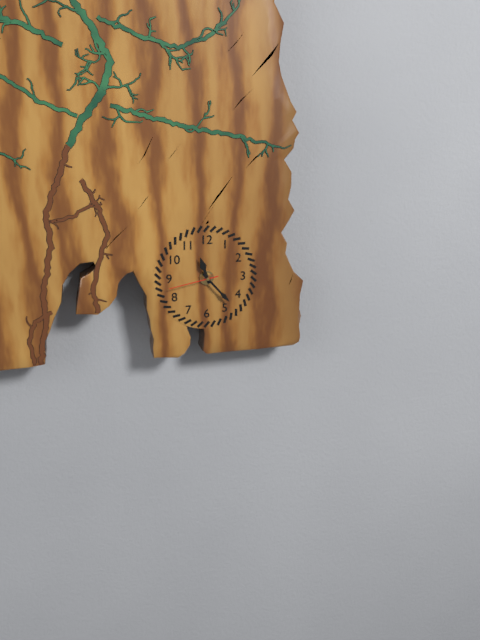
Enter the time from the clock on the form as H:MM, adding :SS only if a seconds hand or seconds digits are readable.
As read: 11:23
